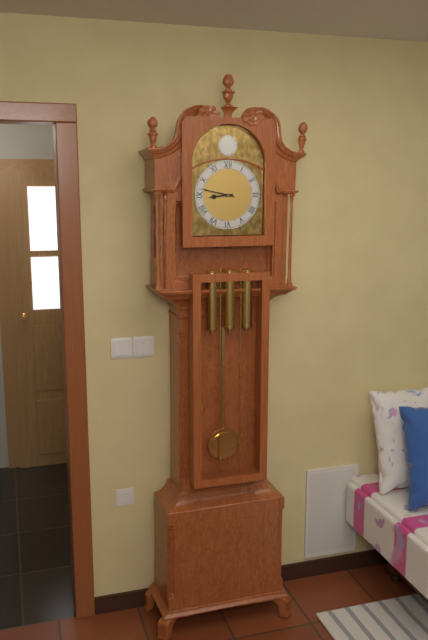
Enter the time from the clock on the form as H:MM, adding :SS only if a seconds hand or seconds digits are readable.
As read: 8:47
